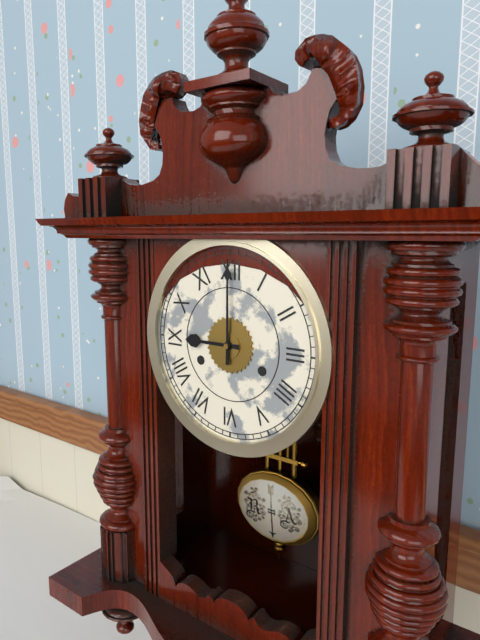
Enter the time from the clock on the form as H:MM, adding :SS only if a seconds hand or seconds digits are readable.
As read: 9:00
